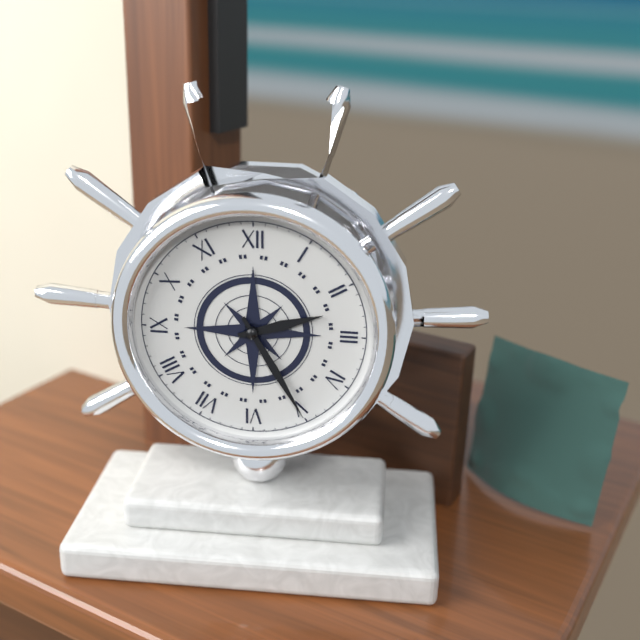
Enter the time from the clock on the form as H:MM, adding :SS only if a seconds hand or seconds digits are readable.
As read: 2:25
